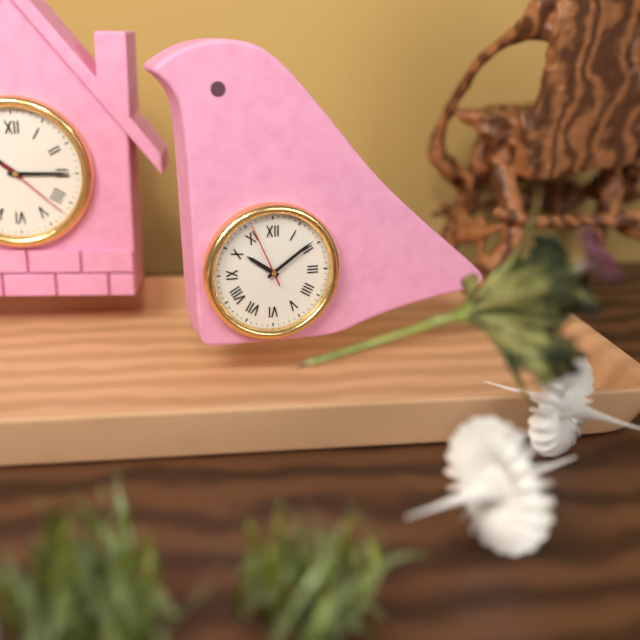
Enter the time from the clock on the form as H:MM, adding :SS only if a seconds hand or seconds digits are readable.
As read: 10:09:56
